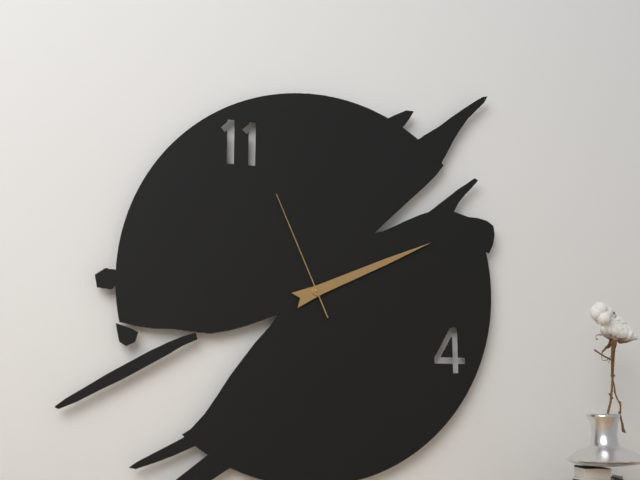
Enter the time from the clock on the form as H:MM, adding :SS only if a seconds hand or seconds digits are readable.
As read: 2:11:56
